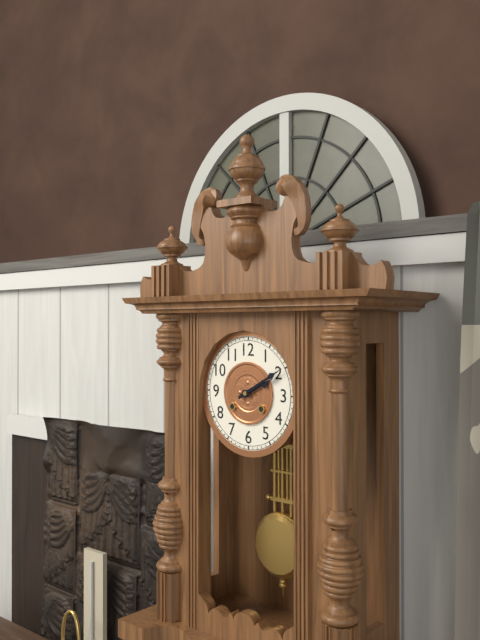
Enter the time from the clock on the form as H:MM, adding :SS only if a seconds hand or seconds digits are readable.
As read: 2:10
